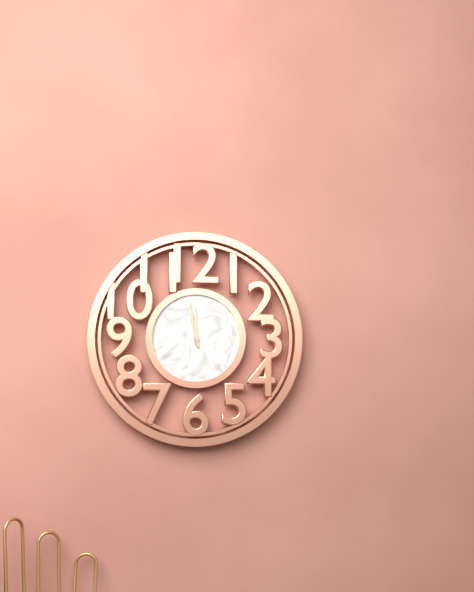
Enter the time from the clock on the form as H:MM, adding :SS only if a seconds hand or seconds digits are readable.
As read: 11:58
